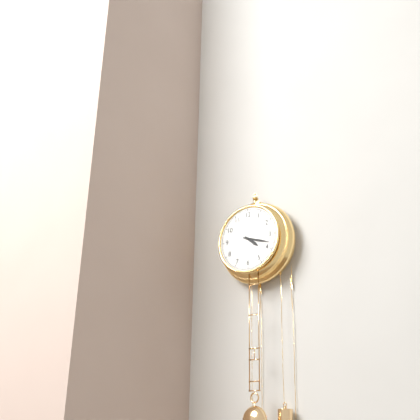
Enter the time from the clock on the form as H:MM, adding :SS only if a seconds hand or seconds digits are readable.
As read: 4:18
